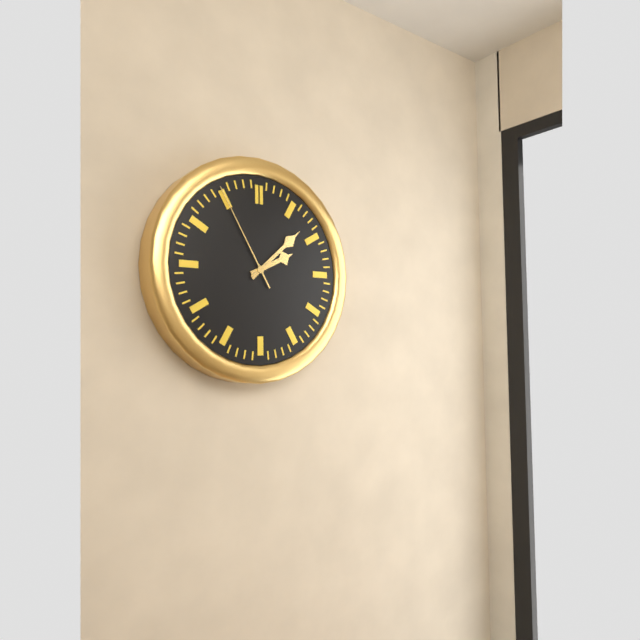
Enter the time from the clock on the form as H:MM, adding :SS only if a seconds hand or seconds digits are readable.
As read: 2:08:55
